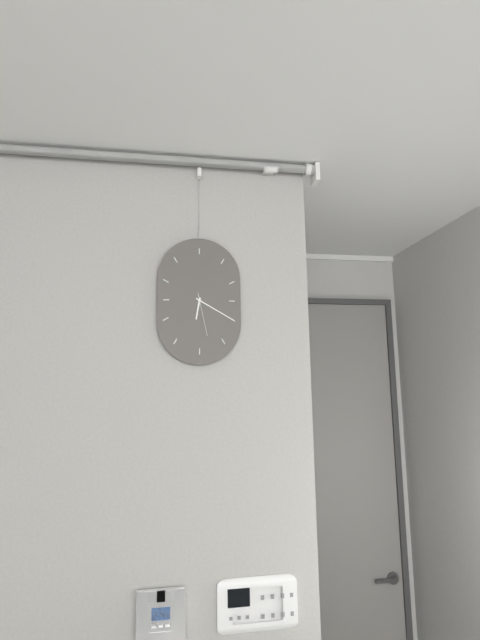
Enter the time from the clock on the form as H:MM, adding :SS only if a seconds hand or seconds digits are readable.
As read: 6:20
